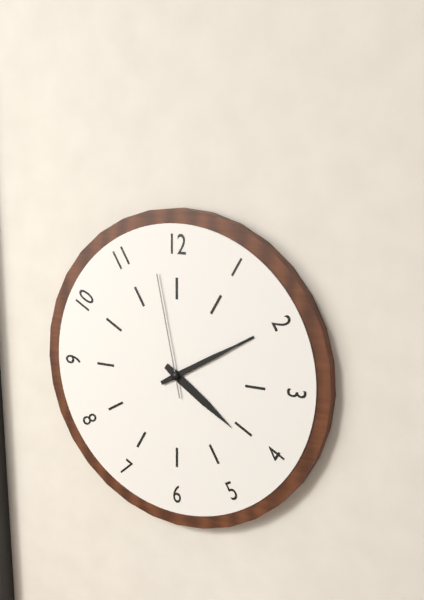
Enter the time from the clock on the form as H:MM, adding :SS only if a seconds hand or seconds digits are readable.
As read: 4:10:58
